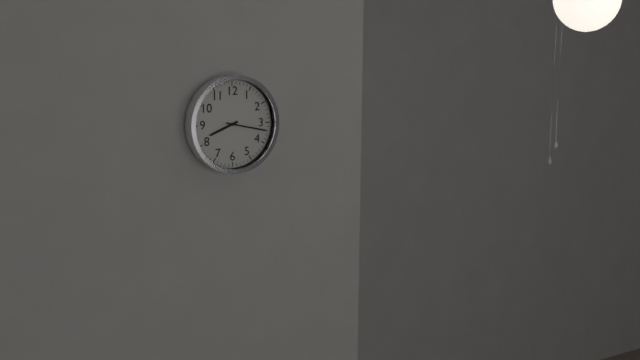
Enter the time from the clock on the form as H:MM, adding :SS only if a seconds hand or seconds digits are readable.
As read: 8:17
